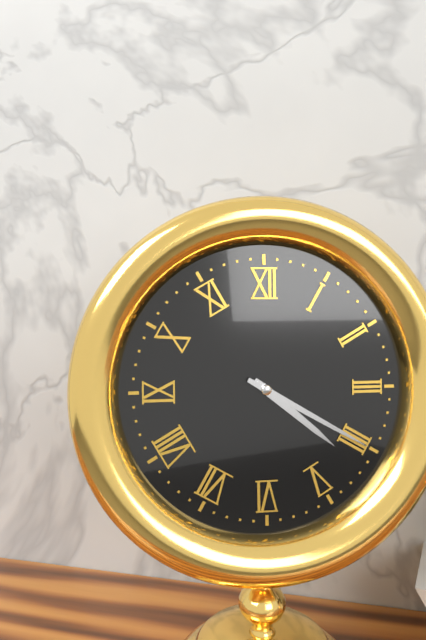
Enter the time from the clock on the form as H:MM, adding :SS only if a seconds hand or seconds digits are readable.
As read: 4:20
